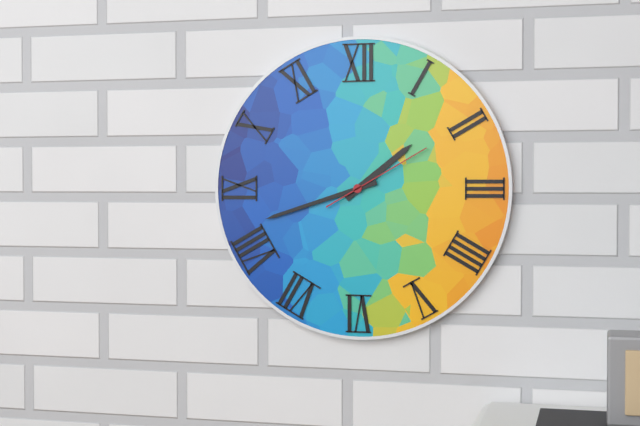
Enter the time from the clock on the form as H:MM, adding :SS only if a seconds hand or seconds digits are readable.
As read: 1:42:10
